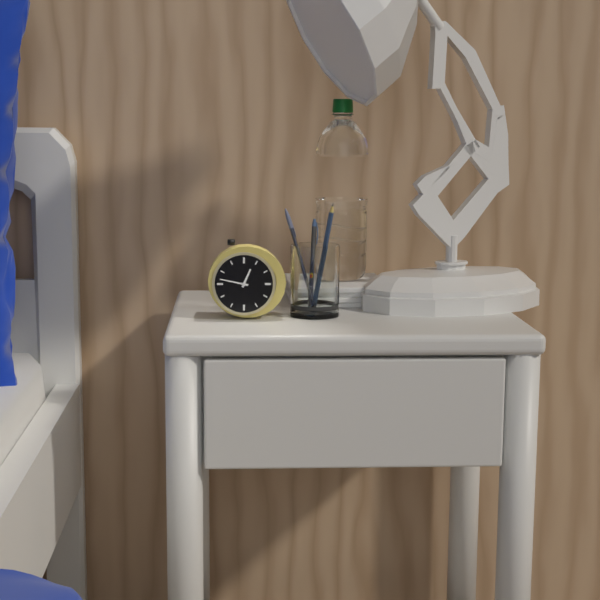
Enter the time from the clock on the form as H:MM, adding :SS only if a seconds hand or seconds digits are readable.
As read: 12:47
